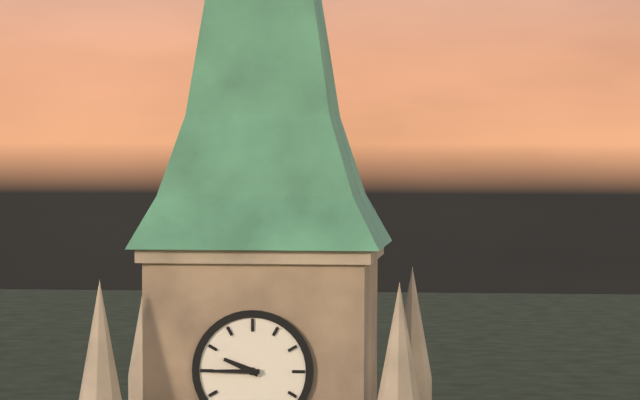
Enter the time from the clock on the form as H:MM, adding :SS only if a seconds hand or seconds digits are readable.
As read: 9:45
